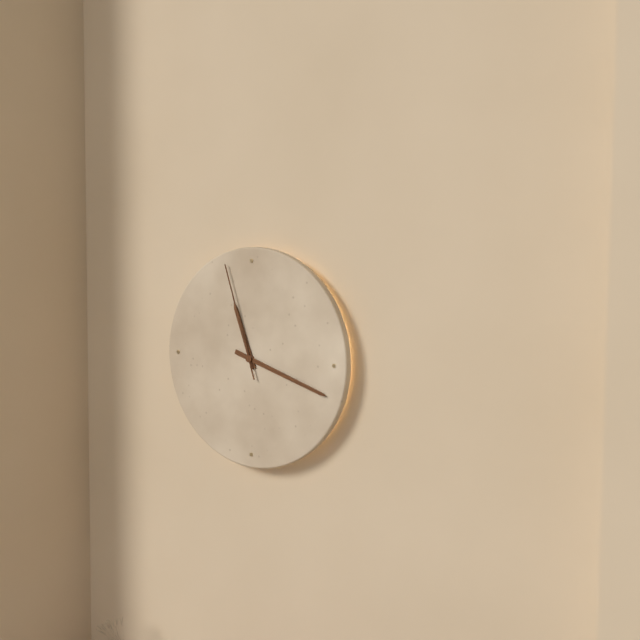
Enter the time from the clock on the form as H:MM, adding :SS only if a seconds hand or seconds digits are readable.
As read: 11:18:57
